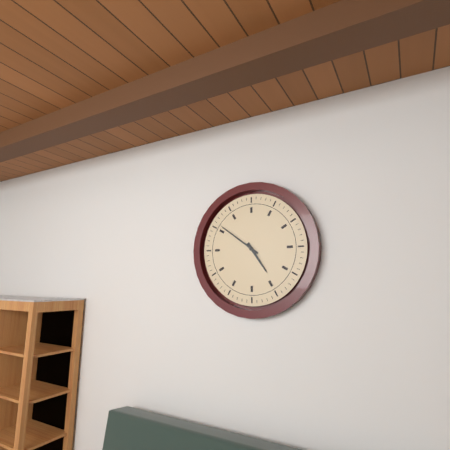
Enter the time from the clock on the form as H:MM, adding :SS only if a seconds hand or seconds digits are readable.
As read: 4:51
